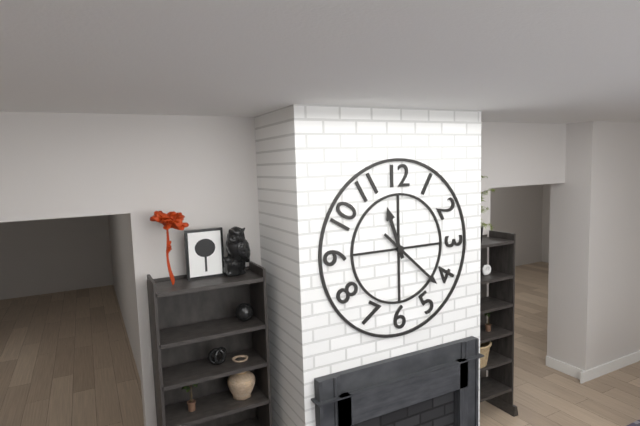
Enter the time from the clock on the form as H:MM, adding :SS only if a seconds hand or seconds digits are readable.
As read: 11:22
